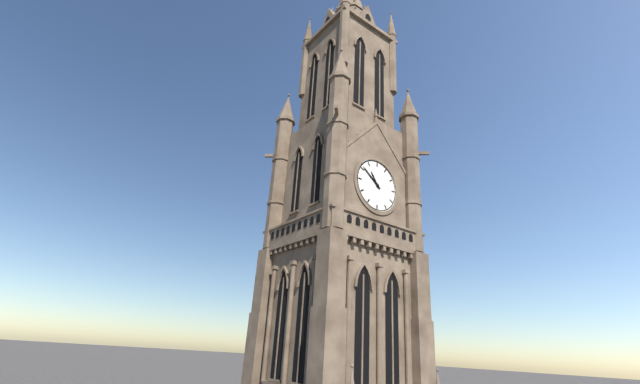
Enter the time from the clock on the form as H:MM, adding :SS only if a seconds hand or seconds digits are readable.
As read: 10:51
